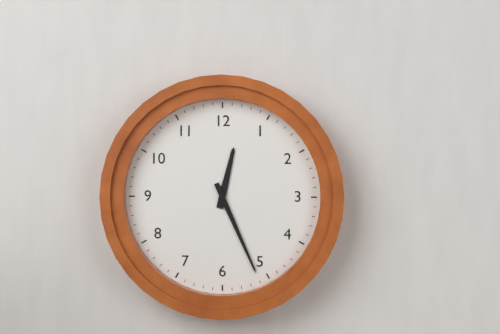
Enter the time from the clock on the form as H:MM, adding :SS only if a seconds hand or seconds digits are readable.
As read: 12:26
